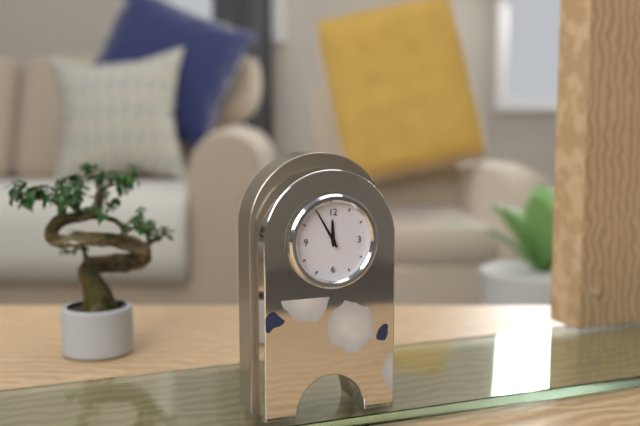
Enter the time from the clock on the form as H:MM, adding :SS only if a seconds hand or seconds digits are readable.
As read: 11:55
